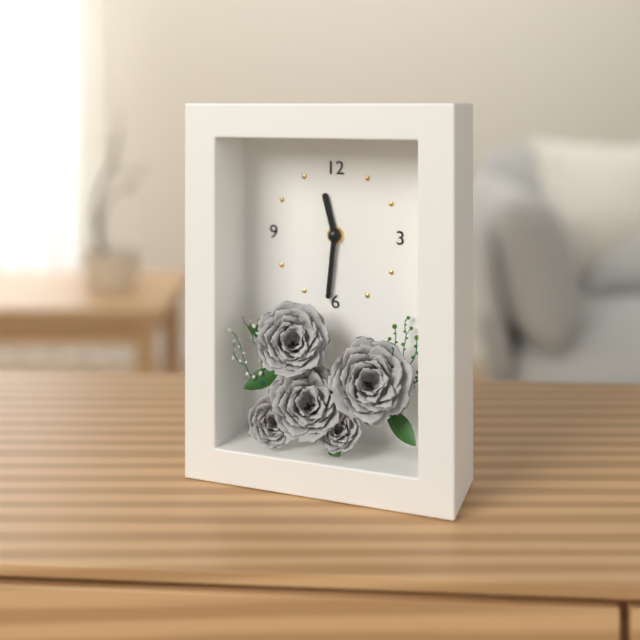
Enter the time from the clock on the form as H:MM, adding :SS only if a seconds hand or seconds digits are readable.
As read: 11:31
